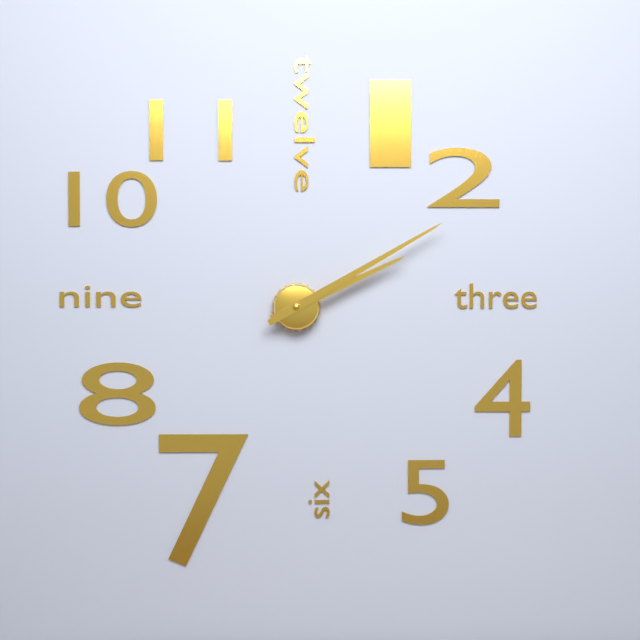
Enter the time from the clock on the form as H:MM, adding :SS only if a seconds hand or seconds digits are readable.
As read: 2:10
